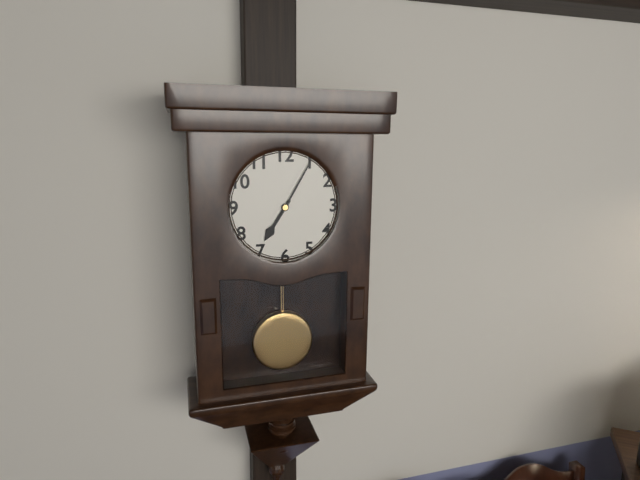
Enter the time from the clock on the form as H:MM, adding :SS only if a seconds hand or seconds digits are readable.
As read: 7:05
